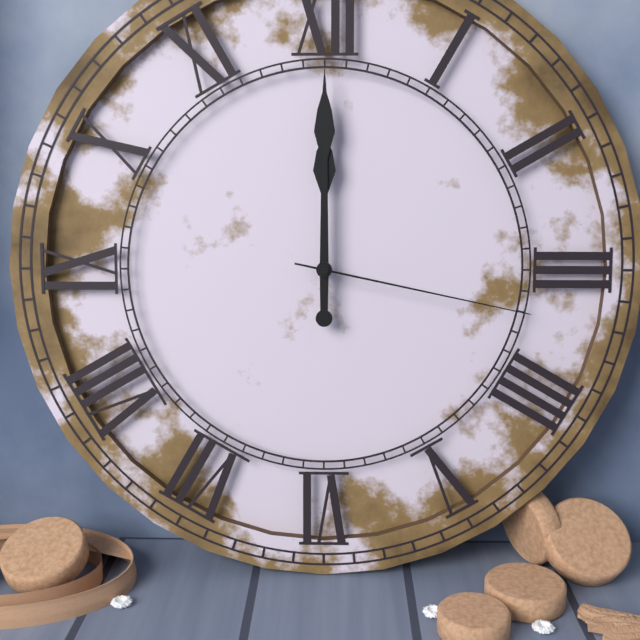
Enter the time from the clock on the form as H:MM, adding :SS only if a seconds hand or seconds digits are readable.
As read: 12:00:17
